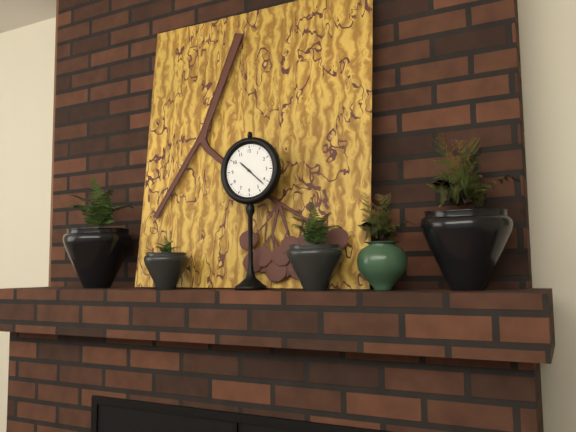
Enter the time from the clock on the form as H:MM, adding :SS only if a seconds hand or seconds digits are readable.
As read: 10:22
